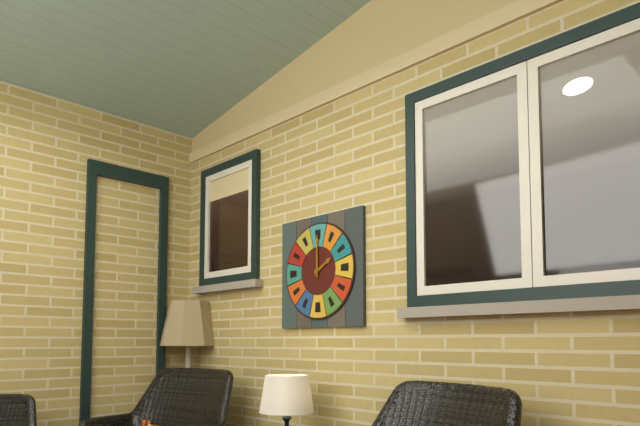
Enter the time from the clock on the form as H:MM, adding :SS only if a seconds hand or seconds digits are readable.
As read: 2:00
